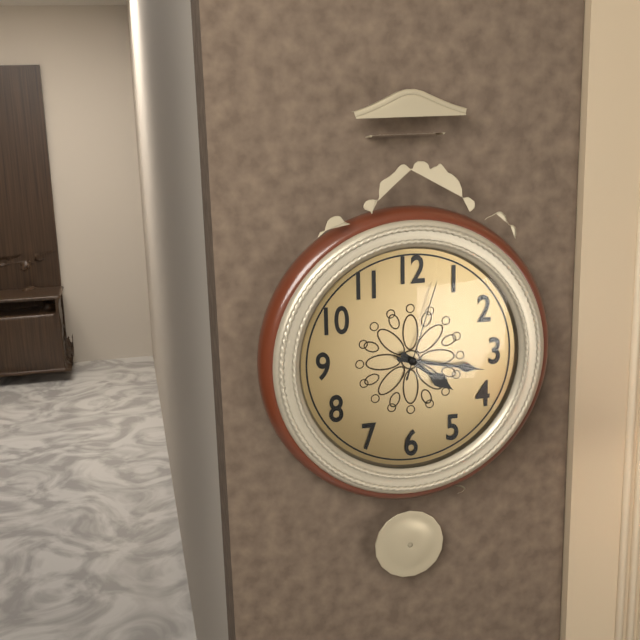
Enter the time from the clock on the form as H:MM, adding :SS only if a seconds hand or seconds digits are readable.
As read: 4:17:03
